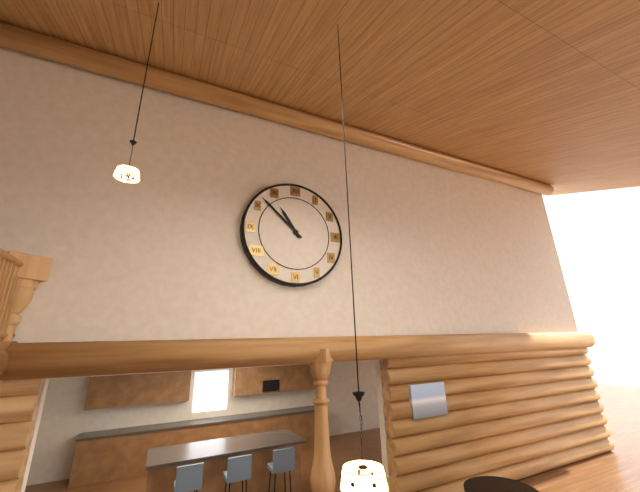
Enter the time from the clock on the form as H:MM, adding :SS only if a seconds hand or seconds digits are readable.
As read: 10:52
